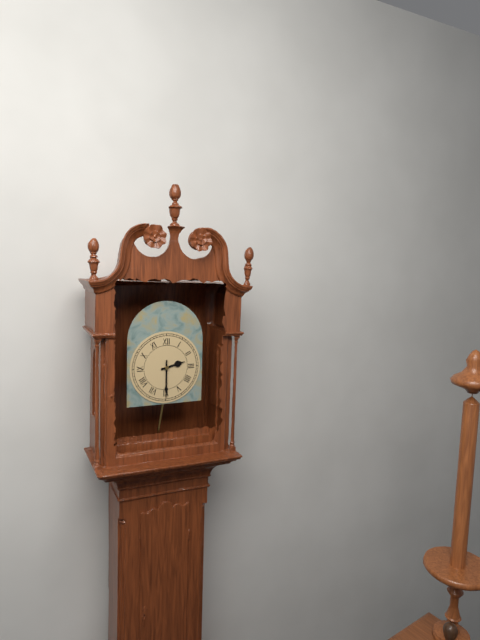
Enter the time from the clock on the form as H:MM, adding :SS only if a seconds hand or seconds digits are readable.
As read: 2:30
